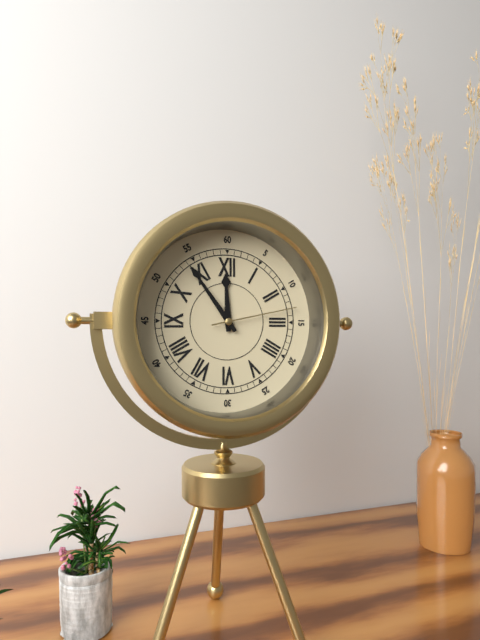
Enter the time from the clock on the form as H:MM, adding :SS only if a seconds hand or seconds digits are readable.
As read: 11:54:13
